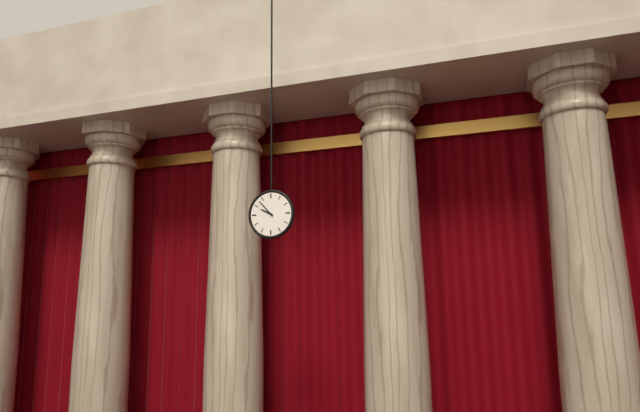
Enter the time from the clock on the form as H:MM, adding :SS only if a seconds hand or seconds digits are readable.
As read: 9:53
